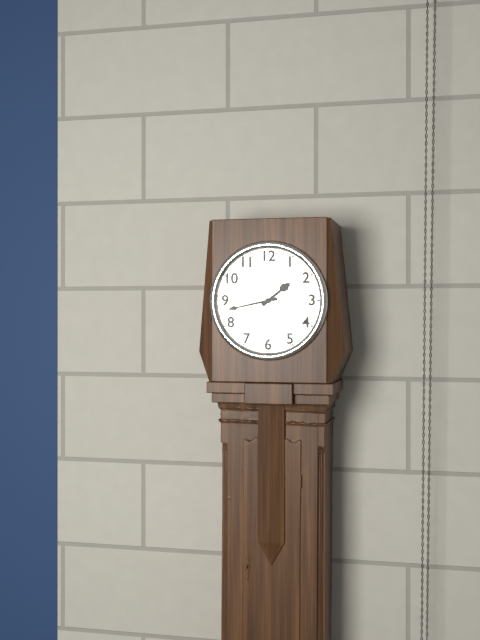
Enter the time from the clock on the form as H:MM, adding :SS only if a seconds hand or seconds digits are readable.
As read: 1:43
